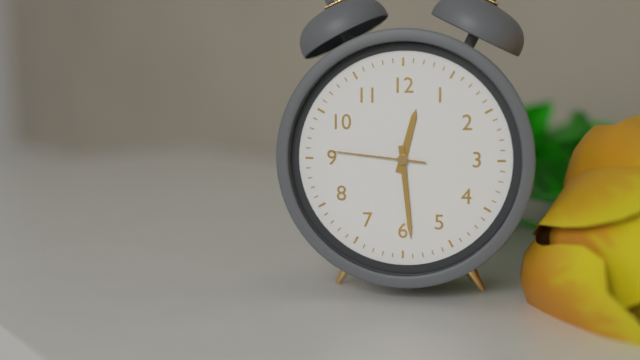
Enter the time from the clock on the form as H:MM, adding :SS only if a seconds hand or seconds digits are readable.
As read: 12:29:46
